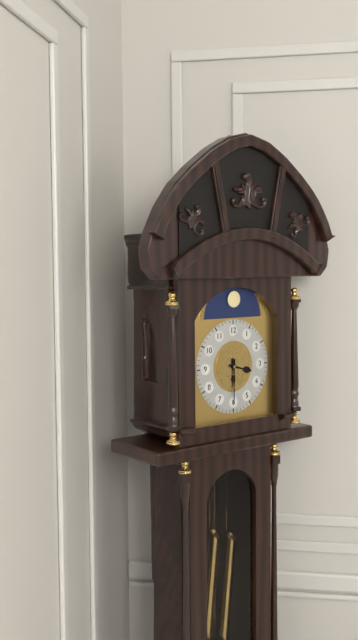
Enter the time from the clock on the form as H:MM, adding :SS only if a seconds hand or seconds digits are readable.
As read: 3:30
